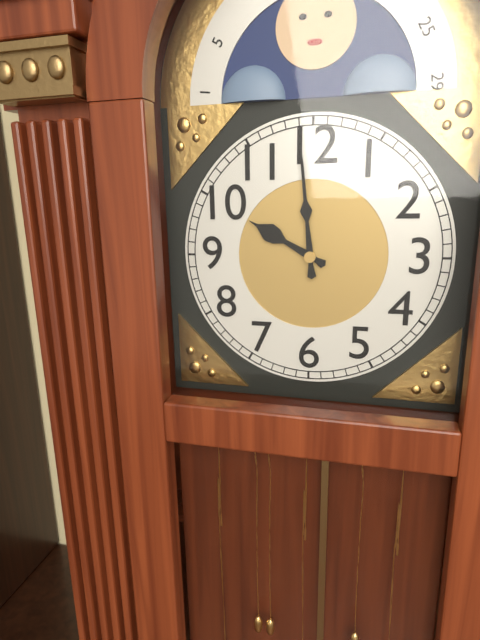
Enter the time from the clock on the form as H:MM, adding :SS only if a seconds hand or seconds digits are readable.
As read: 9:59
